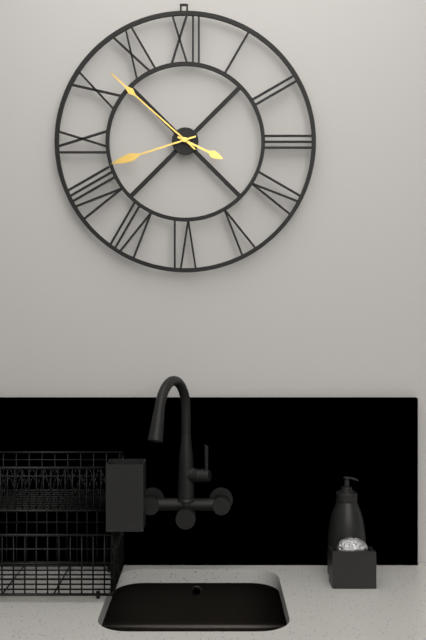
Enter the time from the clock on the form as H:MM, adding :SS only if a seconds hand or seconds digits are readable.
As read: 3:52:42
